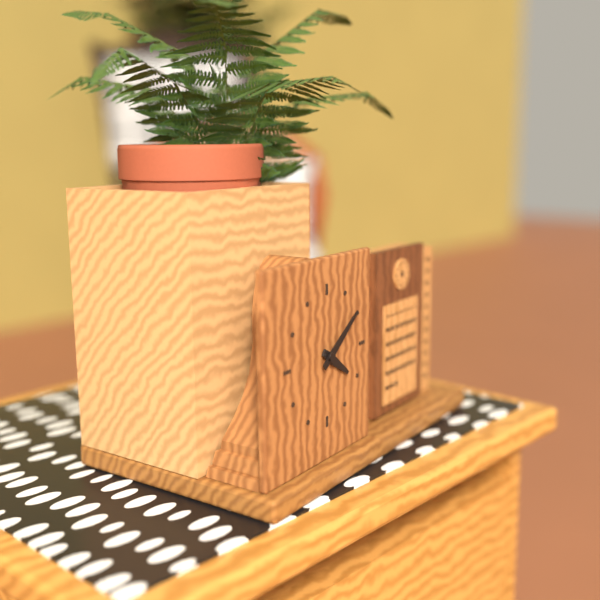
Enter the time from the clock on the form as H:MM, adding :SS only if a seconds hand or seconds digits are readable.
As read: 4:09
